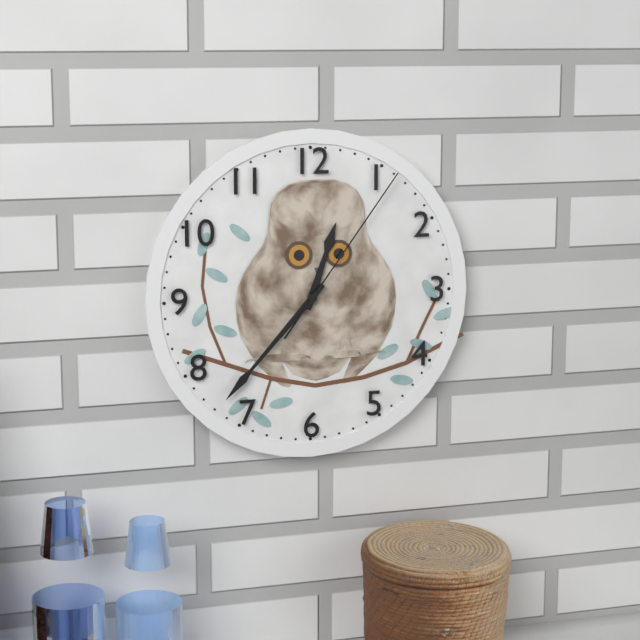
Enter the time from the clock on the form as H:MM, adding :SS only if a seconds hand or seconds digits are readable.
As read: 12:37:06
